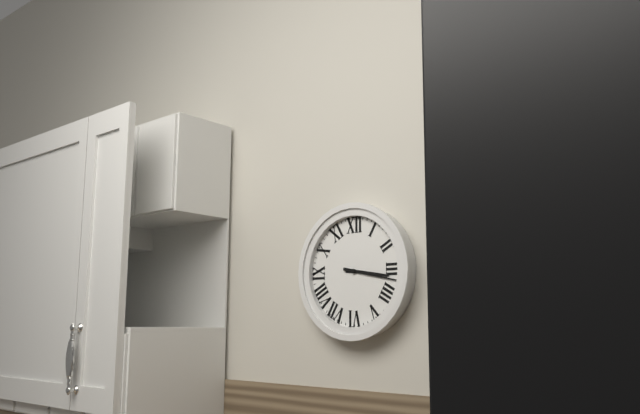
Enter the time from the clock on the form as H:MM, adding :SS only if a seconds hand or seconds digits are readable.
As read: 3:17
